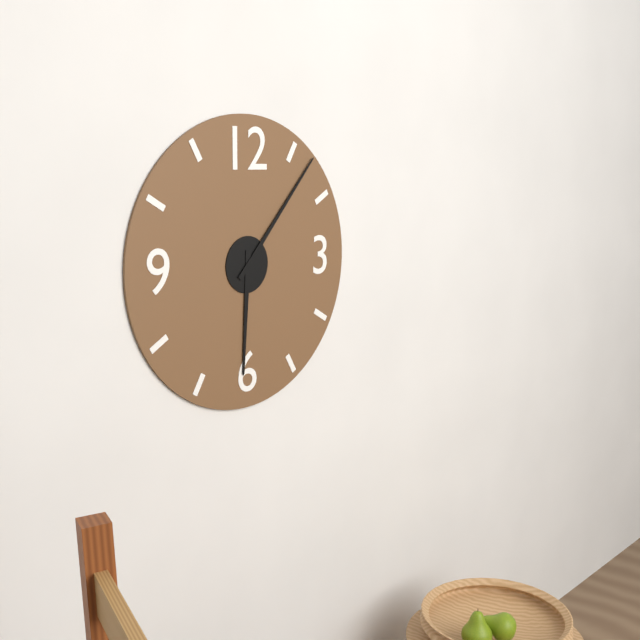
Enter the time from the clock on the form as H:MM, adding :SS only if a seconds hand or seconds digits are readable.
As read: 6:07
